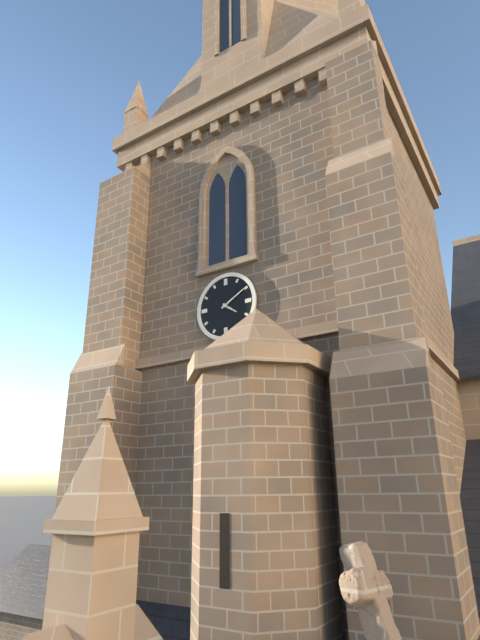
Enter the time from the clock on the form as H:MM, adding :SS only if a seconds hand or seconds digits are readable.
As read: 4:10
